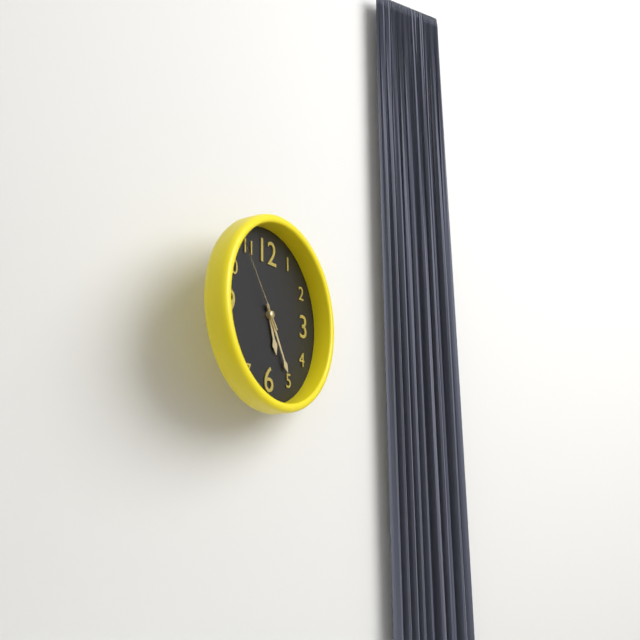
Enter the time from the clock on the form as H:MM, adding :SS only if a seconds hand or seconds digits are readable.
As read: 5:25:54
